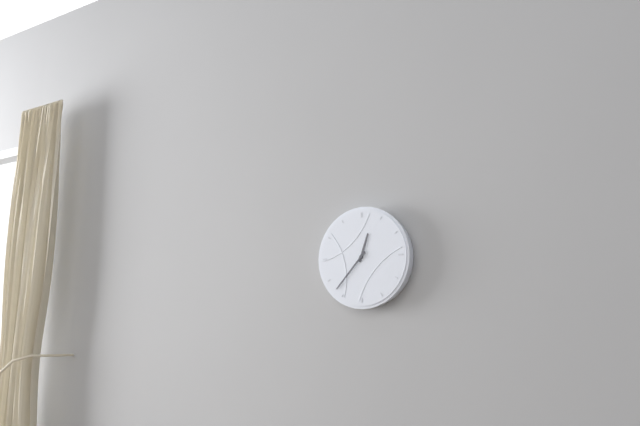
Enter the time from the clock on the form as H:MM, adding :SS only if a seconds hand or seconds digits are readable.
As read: 12:37
